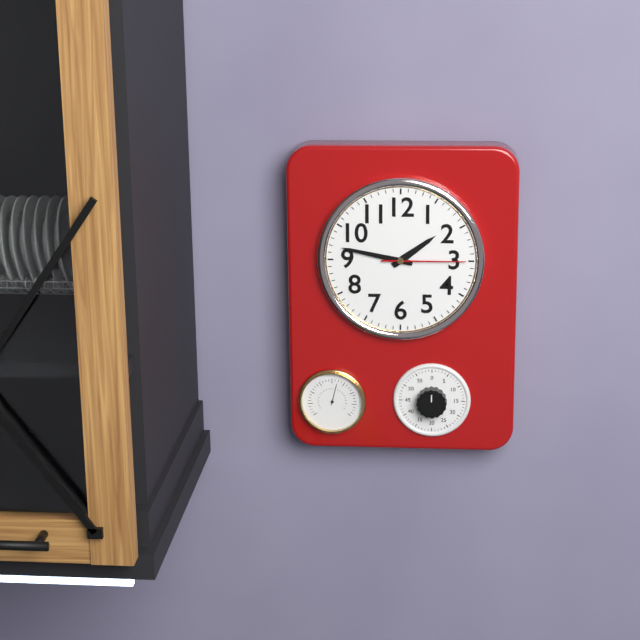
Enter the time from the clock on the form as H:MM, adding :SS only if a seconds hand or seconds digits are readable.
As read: 1:47:15
